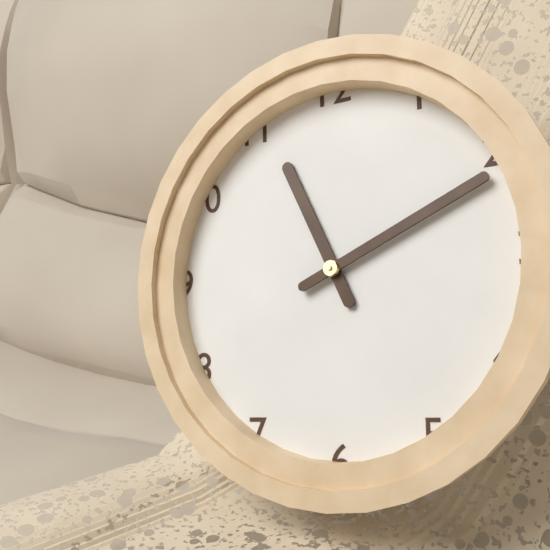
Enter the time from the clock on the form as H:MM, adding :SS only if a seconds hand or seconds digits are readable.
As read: 11:11
